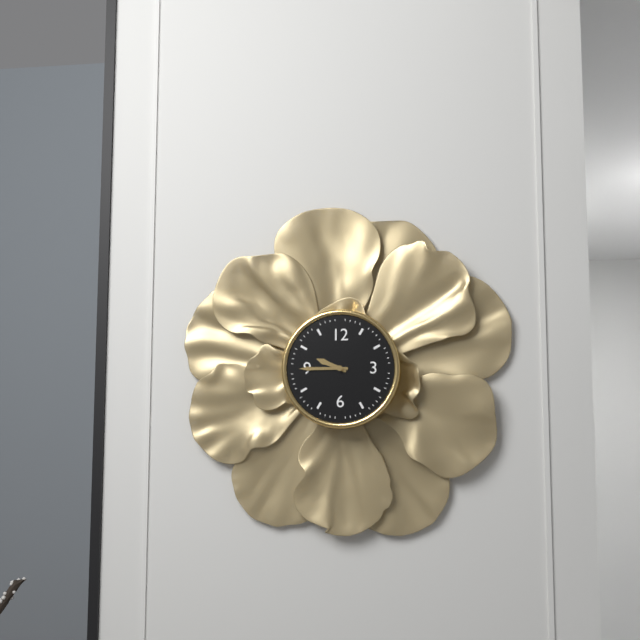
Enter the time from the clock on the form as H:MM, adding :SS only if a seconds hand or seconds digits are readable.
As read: 9:45
